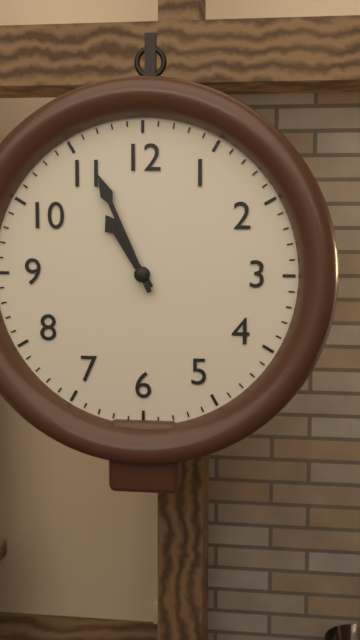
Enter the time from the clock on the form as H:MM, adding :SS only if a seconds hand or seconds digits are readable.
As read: 10:56
